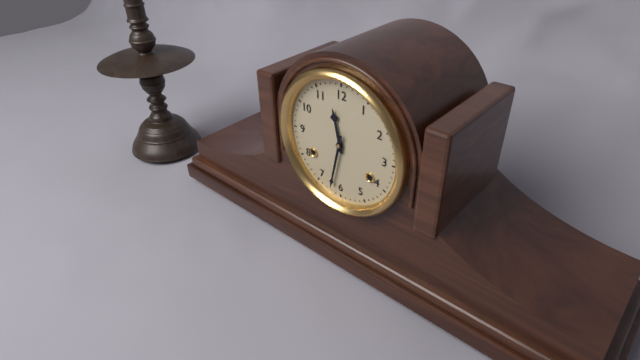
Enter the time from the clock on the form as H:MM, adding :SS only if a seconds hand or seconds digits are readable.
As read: 11:32
